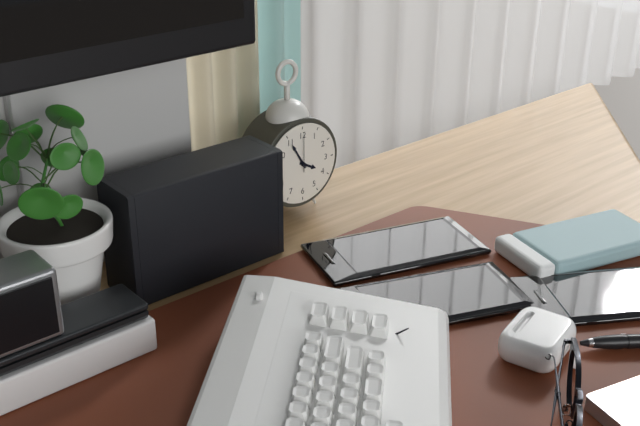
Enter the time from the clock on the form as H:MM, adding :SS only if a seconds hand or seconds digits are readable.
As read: 3:55
